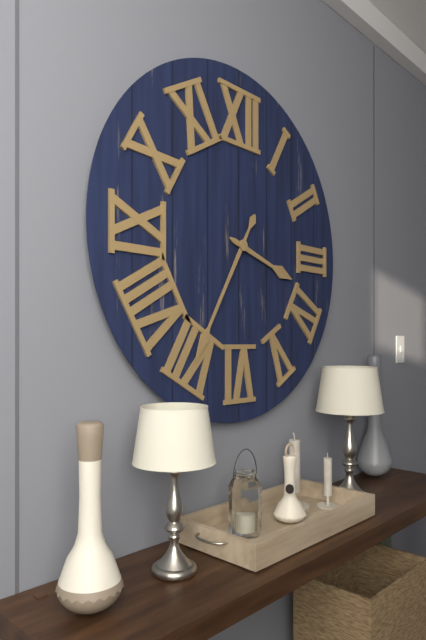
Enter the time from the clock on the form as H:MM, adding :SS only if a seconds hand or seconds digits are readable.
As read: 3:35
